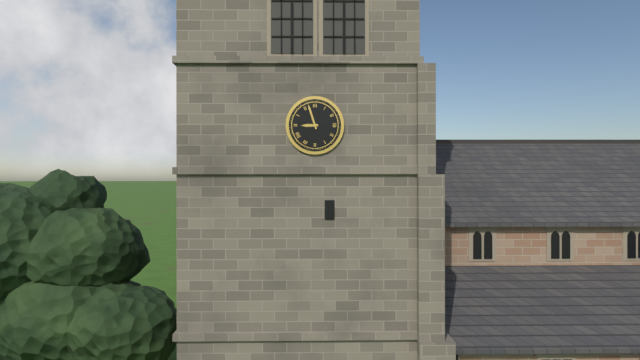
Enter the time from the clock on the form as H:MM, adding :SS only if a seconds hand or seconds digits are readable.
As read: 8:57
